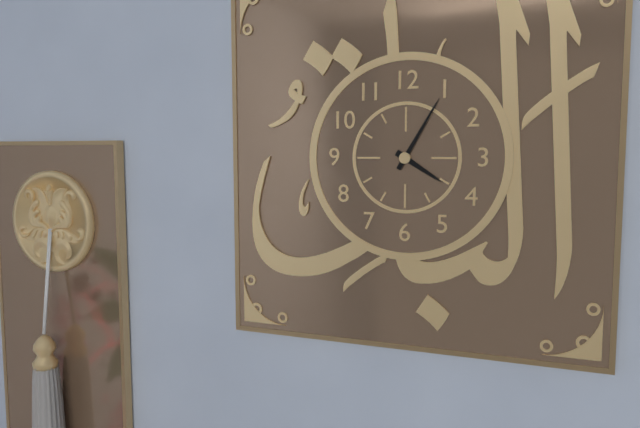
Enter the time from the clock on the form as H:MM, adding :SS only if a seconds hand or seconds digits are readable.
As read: 4:05
